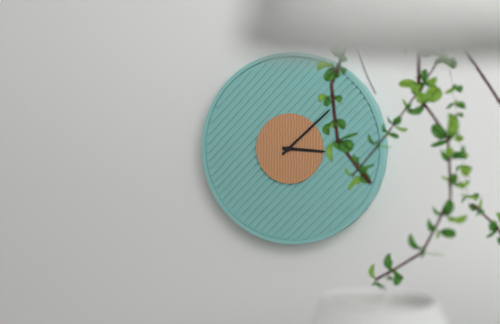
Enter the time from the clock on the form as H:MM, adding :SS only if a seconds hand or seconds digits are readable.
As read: 3:08
